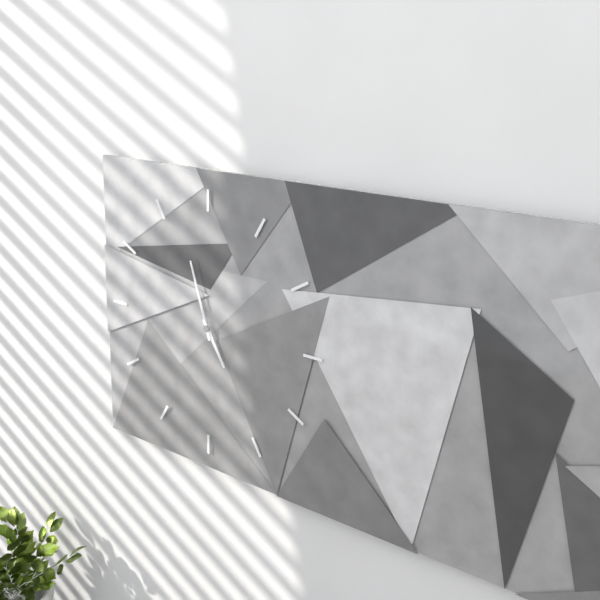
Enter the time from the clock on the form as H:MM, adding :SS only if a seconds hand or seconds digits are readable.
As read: 4:57
